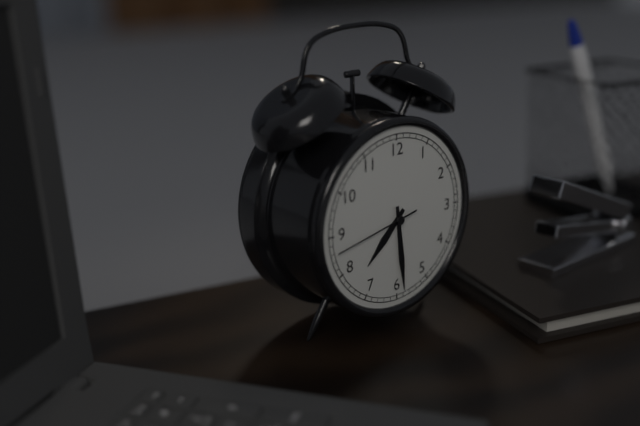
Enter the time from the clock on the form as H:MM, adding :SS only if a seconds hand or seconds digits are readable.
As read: 7:29:43
